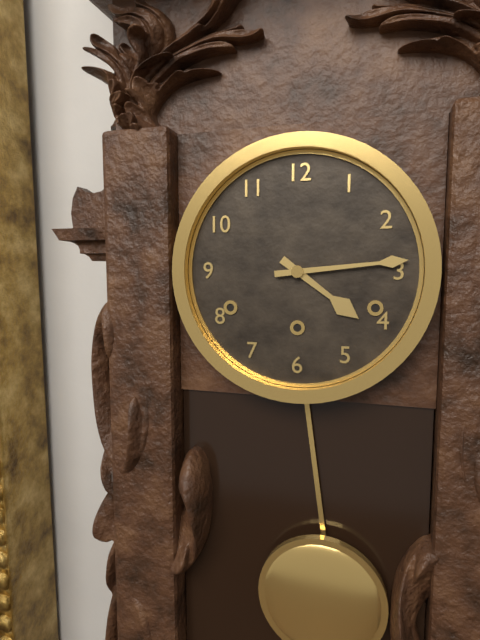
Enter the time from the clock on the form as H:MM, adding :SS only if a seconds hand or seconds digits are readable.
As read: 4:14
